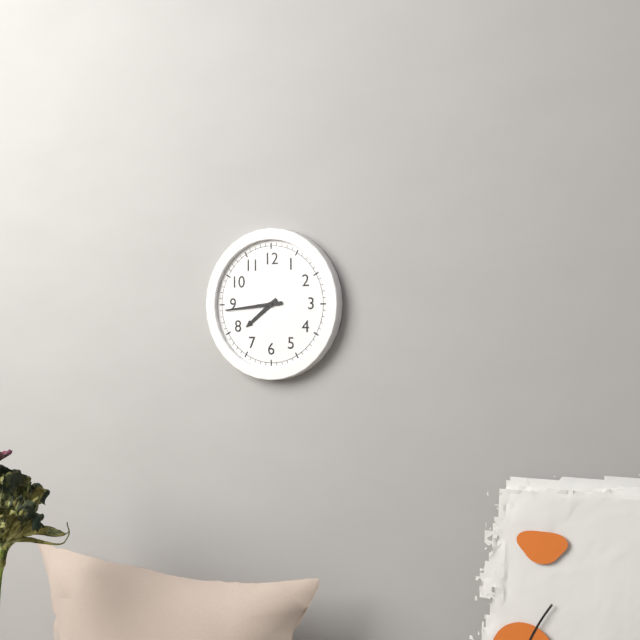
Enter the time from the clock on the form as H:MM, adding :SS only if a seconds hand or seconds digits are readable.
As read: 7:44
